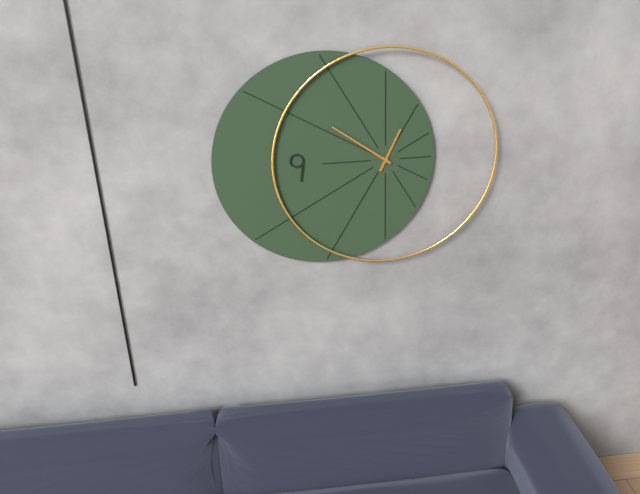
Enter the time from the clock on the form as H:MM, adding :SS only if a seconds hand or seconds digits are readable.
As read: 12:51
